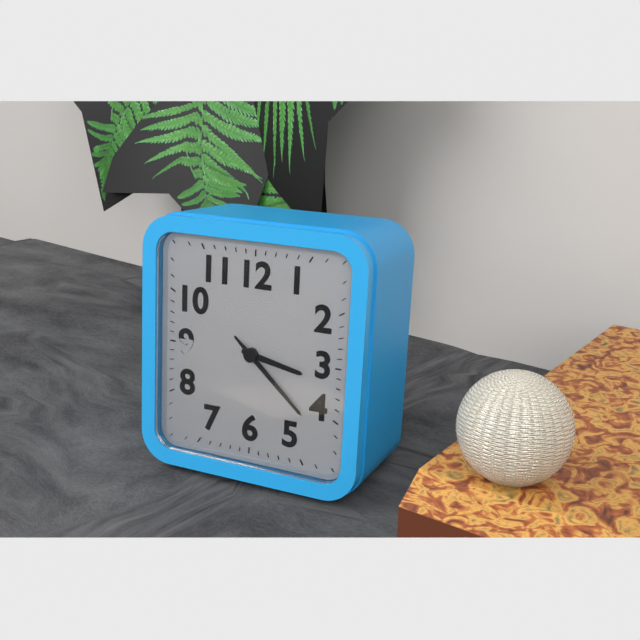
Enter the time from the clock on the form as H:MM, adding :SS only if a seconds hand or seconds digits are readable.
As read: 3:22
